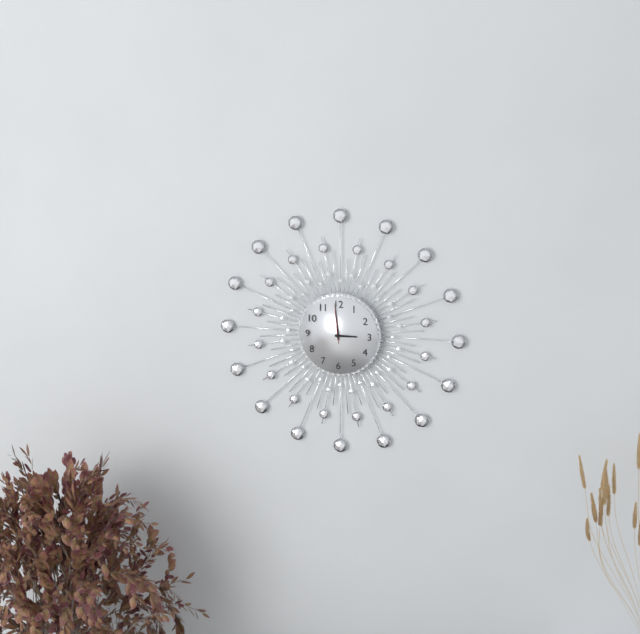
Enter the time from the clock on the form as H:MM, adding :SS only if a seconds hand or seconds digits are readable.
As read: 2:59
